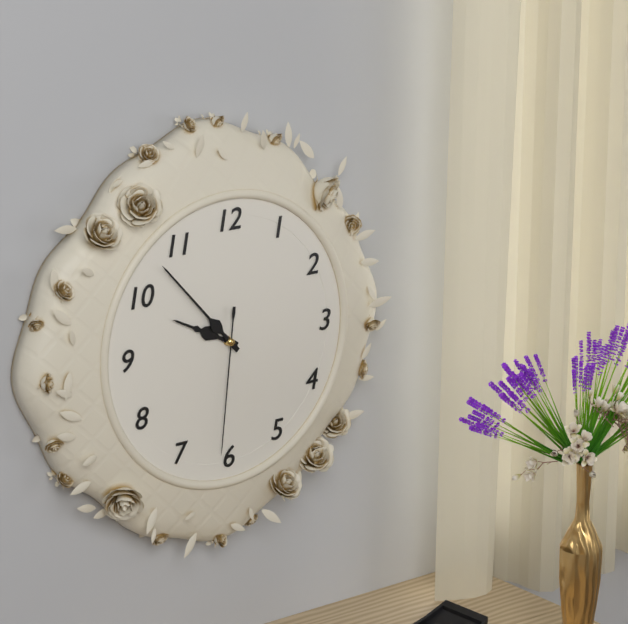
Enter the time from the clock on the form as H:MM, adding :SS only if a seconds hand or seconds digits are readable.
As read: 9:53:31
